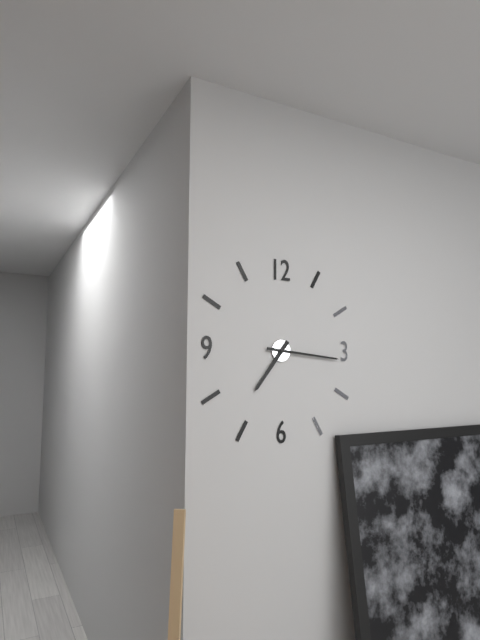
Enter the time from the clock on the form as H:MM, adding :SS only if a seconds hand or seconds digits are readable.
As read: 7:16
